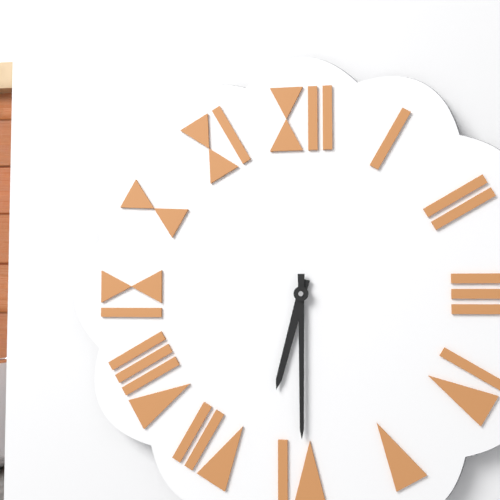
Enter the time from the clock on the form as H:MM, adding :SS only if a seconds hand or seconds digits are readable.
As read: 6:30
